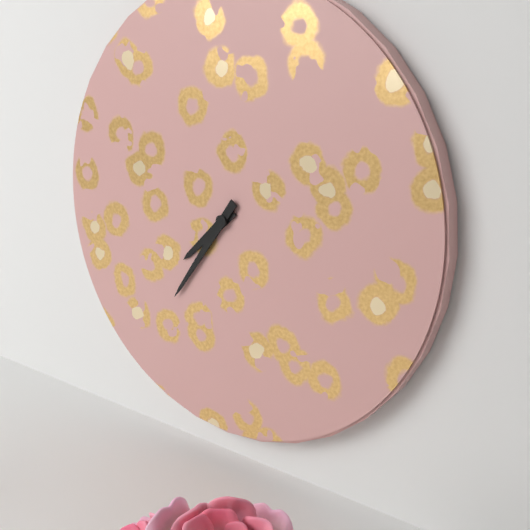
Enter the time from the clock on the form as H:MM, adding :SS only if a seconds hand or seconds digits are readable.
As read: 7:36
